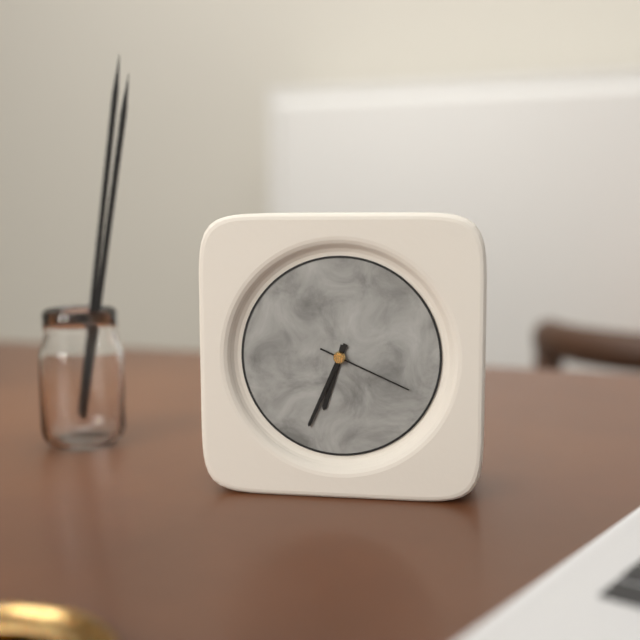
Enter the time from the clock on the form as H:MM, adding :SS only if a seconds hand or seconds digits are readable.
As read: 6:34:19
